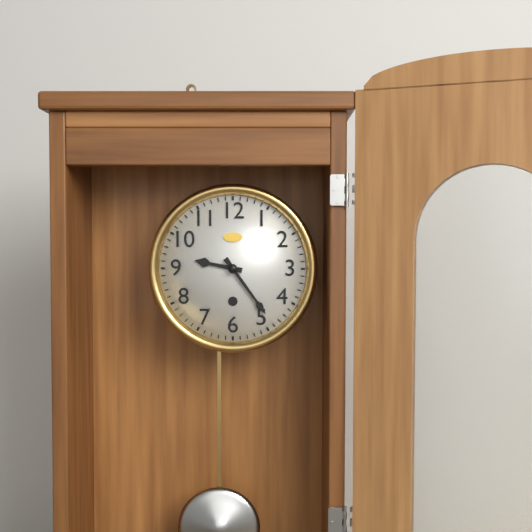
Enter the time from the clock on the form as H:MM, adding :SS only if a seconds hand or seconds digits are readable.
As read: 9:24
